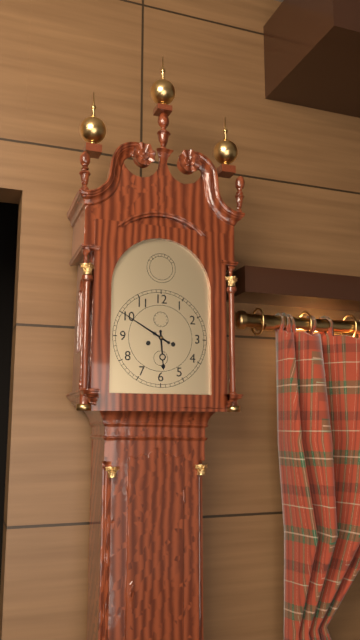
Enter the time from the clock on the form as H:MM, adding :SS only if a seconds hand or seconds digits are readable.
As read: 5:50
